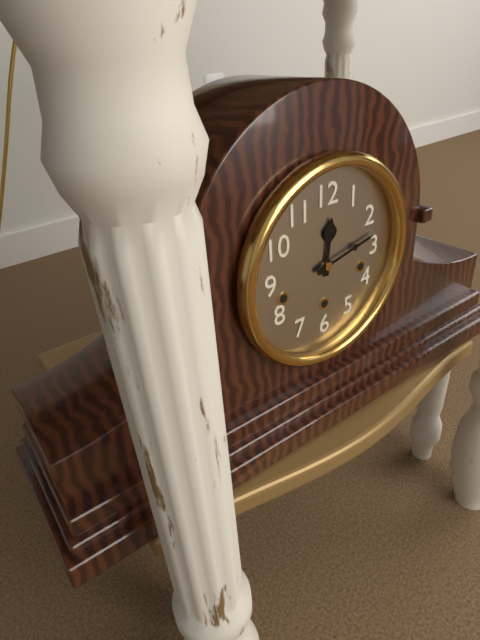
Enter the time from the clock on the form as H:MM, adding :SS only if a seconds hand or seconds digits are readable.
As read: 12:13
